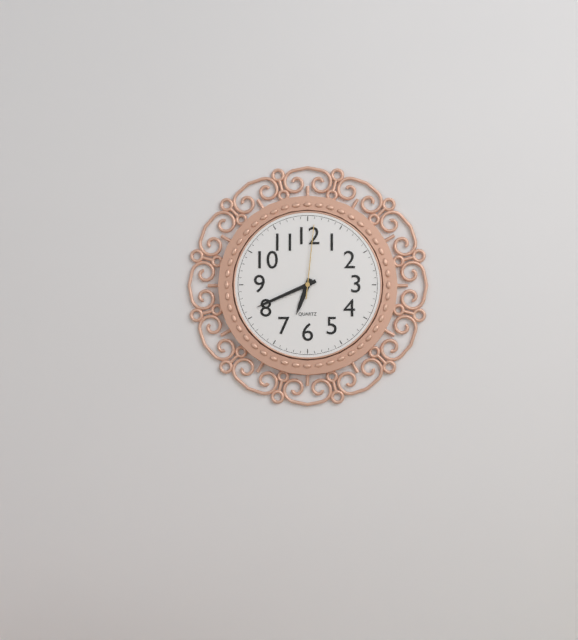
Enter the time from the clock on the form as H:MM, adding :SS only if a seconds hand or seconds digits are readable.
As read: 6:41:01
